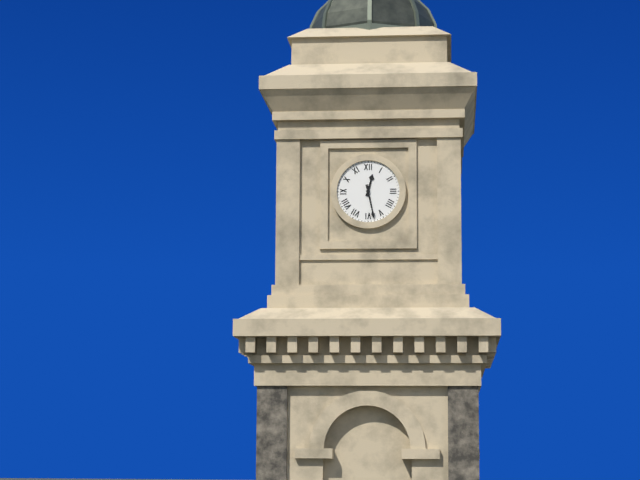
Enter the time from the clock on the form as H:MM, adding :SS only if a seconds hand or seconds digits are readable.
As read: 12:28
